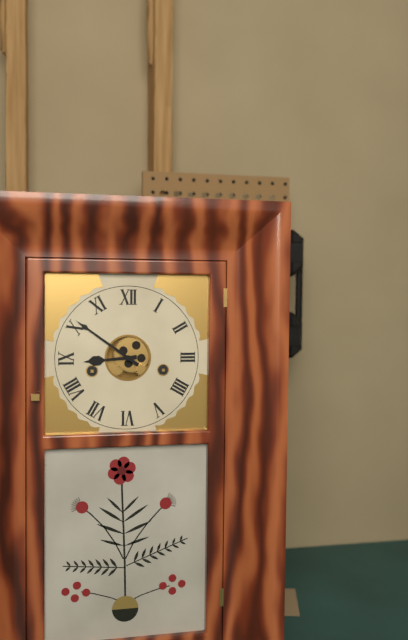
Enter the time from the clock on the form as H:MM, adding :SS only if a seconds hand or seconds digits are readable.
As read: 8:51
